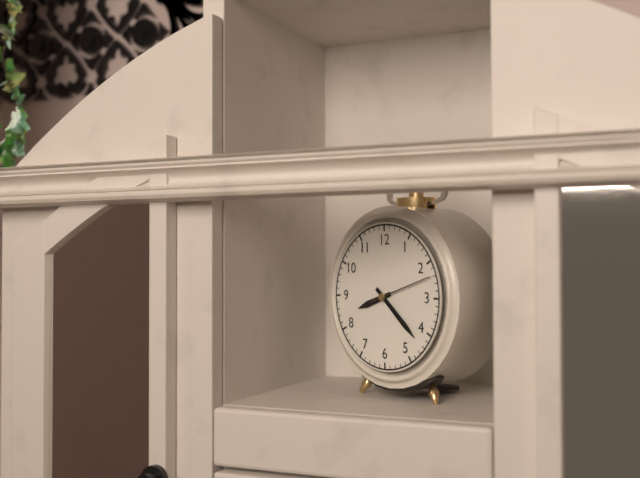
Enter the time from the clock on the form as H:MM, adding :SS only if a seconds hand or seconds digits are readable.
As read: 8:22:12
